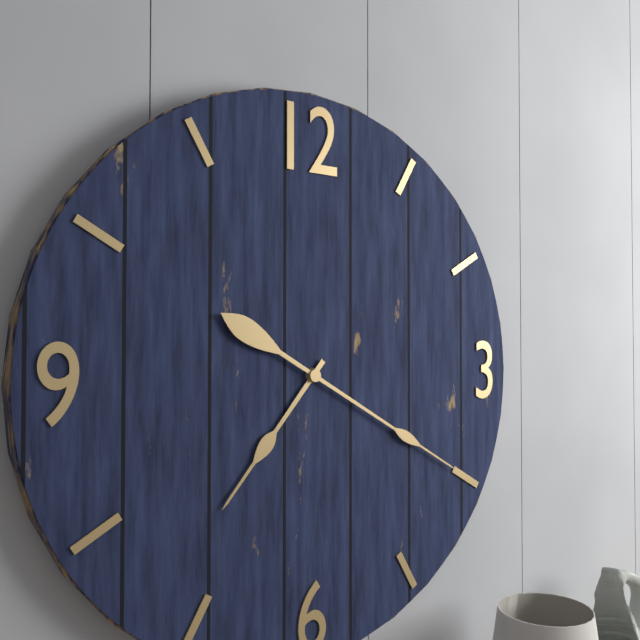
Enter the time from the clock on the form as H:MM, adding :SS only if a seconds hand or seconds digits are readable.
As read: 7:20
